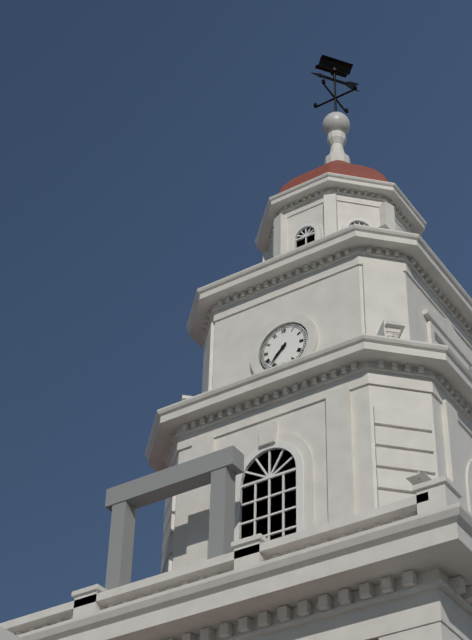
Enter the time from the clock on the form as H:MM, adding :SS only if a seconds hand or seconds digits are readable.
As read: 7:37
